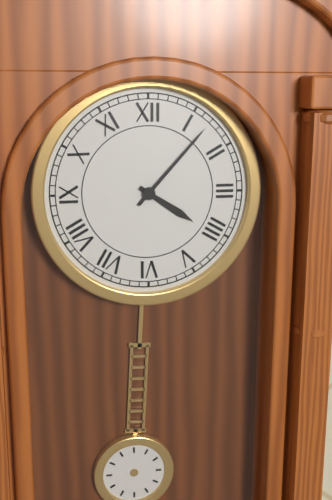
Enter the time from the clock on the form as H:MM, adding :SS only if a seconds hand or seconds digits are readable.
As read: 4:07
